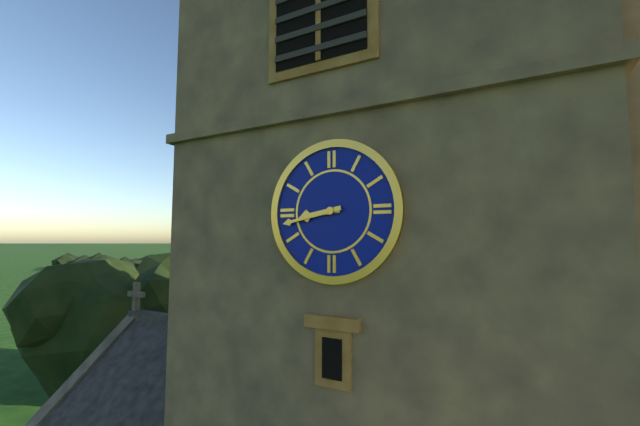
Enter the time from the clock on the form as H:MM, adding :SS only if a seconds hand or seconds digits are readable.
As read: 8:43
